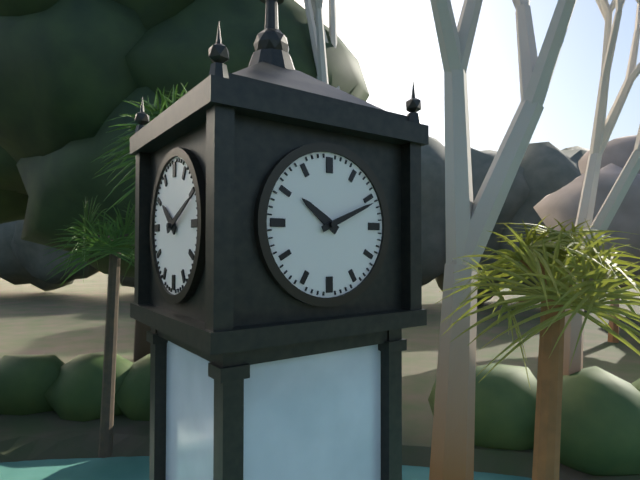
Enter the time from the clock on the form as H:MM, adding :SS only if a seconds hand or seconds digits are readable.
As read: 10:11
